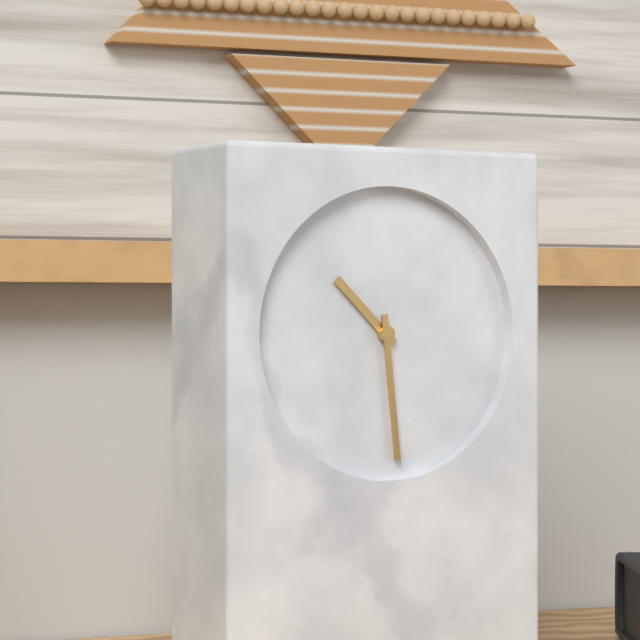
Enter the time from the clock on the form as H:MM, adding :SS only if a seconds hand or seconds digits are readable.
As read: 10:29
